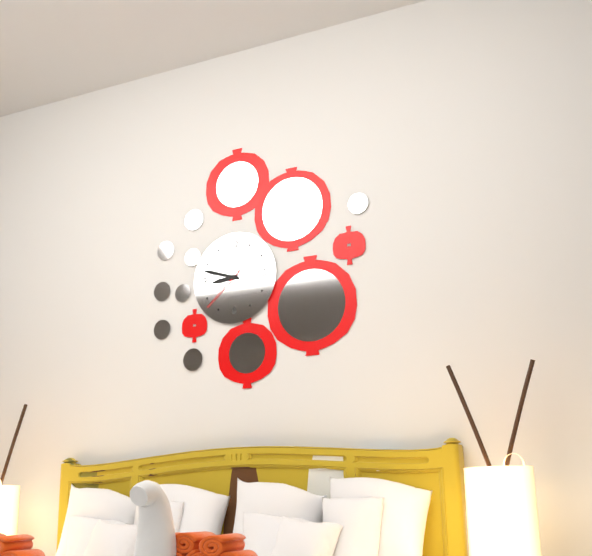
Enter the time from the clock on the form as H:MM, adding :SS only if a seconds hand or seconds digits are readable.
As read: 8:48:38
